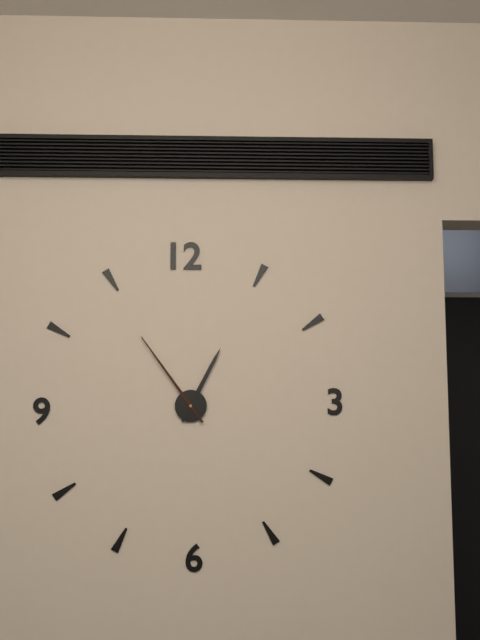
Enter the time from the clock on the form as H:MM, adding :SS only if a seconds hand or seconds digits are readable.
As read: 12:54
